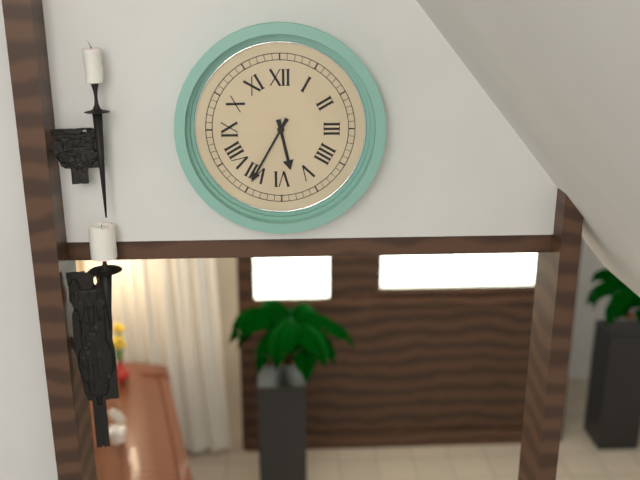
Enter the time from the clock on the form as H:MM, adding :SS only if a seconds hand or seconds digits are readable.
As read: 5:35
